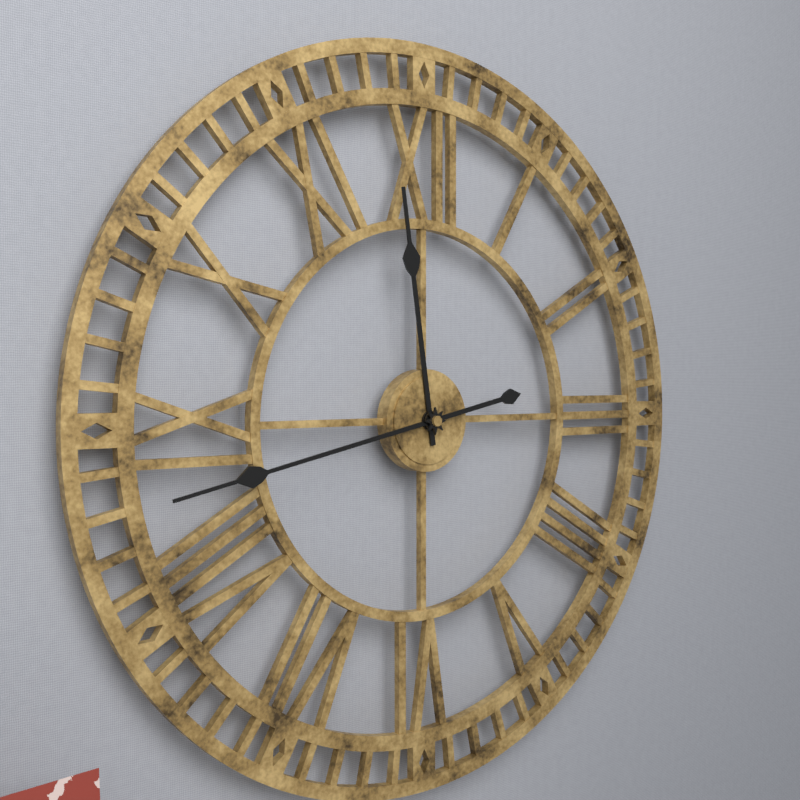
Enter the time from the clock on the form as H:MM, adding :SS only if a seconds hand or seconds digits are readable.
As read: 11:43
